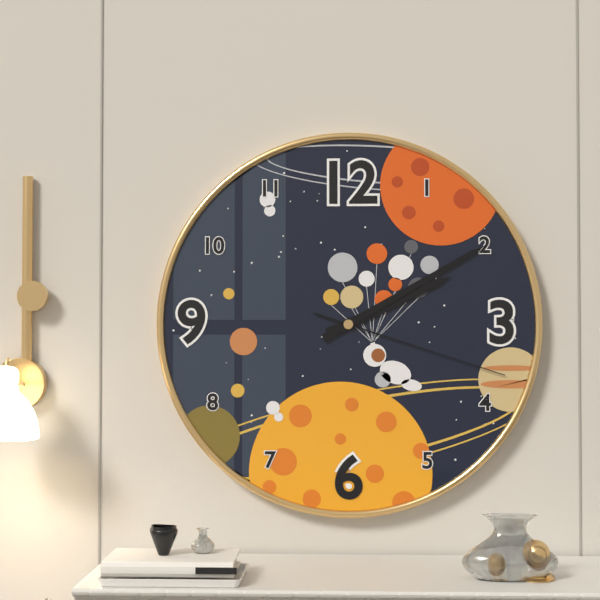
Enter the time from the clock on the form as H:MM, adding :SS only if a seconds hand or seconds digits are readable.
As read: 2:10:18
